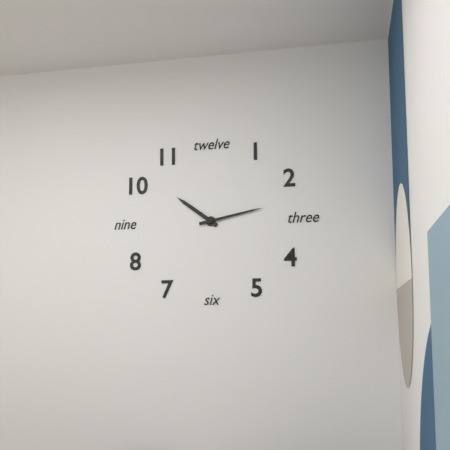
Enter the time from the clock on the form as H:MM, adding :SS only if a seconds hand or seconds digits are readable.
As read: 10:13
